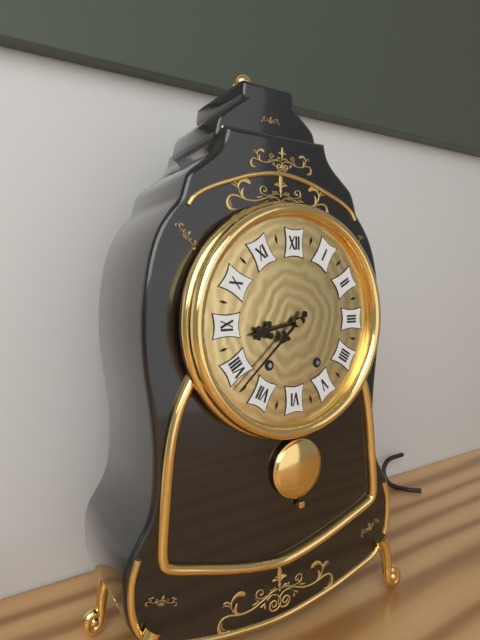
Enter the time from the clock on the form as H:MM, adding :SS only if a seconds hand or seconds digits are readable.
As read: 8:38
